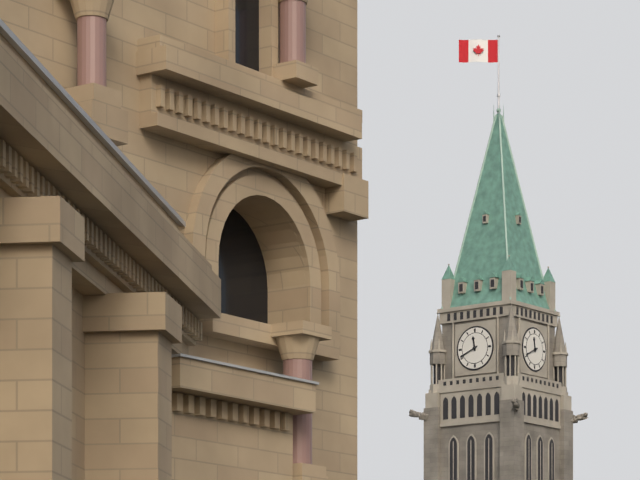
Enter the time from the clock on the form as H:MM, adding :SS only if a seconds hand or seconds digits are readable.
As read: 11:41
